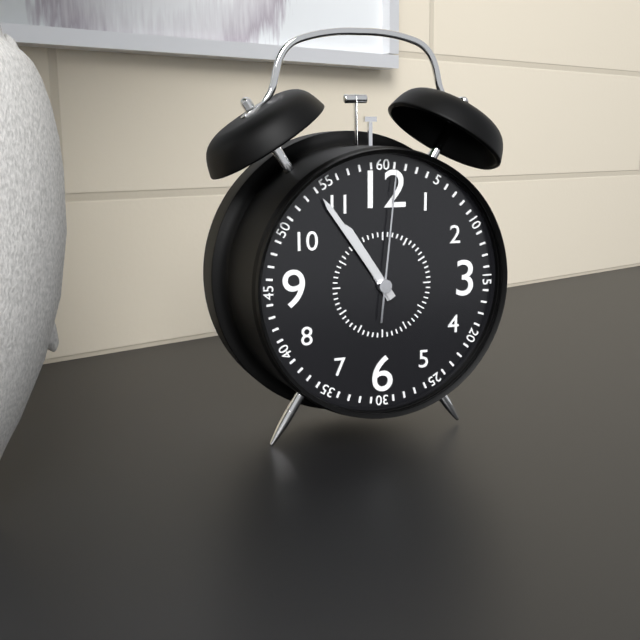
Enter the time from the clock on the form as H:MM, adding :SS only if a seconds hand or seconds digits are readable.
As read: 10:54:01
